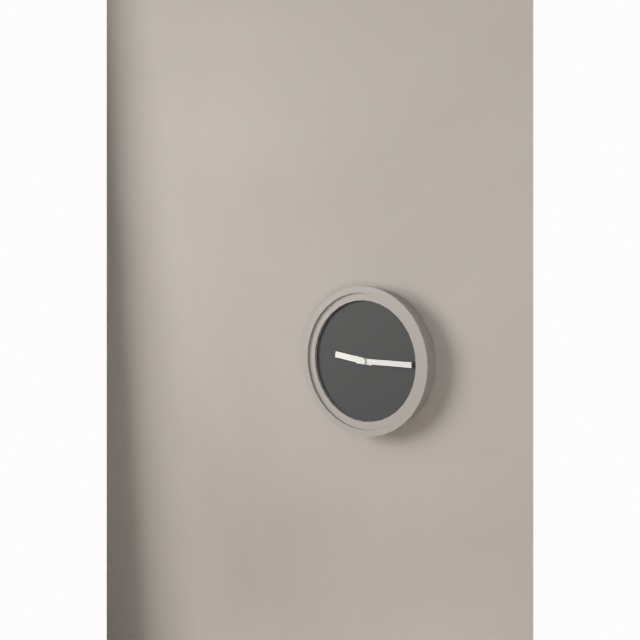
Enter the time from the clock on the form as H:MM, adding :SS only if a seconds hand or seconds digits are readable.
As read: 9:15
